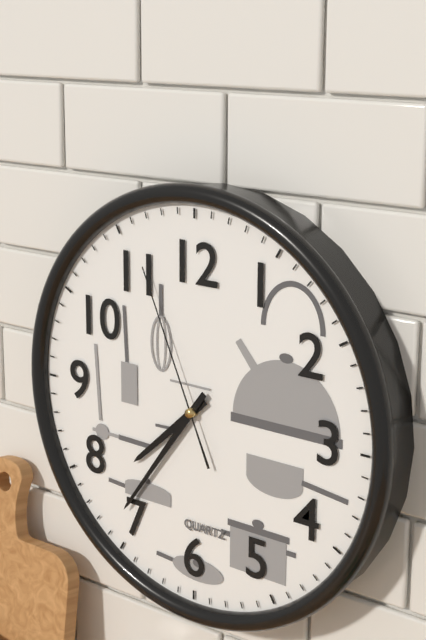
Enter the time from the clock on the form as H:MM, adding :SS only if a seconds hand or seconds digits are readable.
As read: 7:36:56
